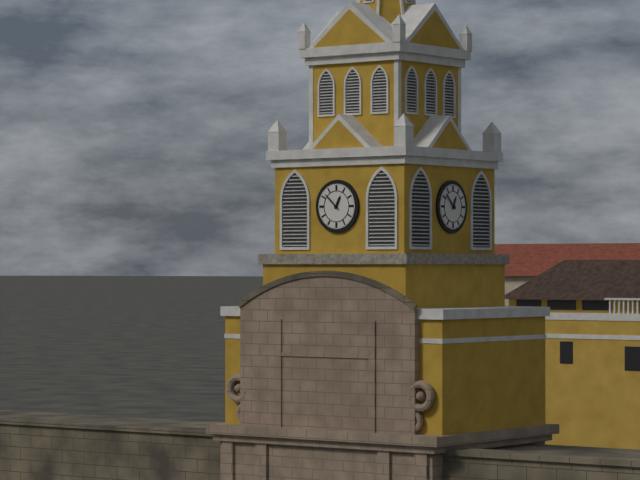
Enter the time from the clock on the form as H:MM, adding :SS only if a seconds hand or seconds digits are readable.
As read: 12:52
